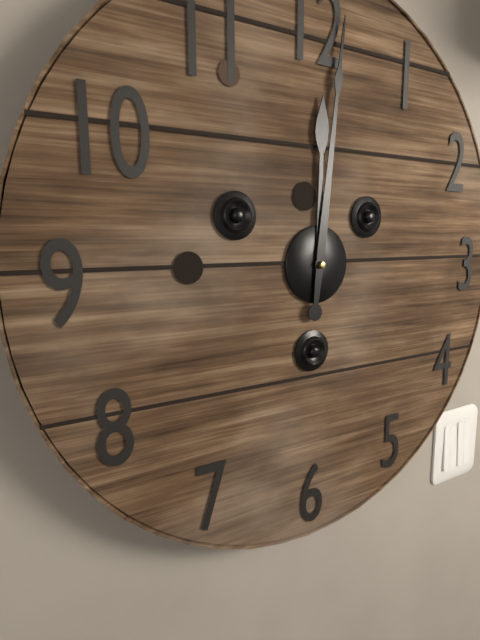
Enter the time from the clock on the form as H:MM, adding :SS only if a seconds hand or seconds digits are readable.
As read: 12:01
